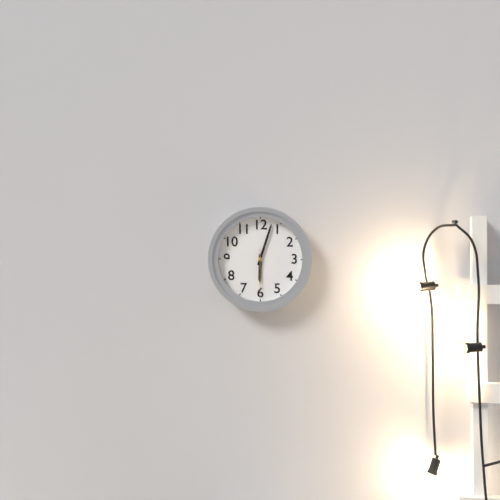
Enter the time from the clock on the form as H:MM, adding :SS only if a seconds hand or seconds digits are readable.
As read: 6:03:30
